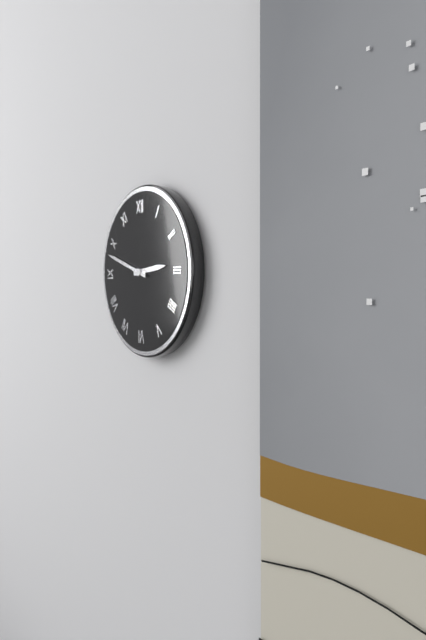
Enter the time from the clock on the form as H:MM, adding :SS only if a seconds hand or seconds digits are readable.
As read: 2:48
